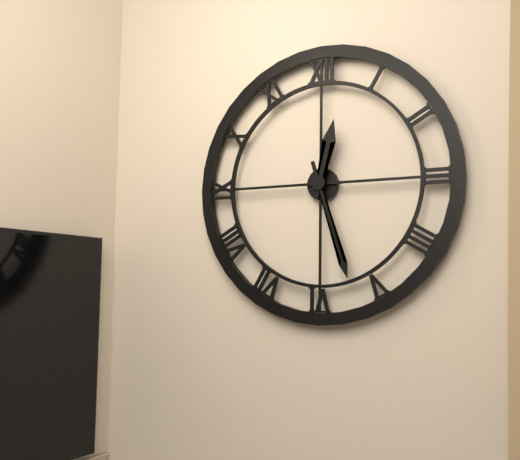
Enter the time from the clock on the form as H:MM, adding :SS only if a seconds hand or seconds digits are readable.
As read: 12:27
